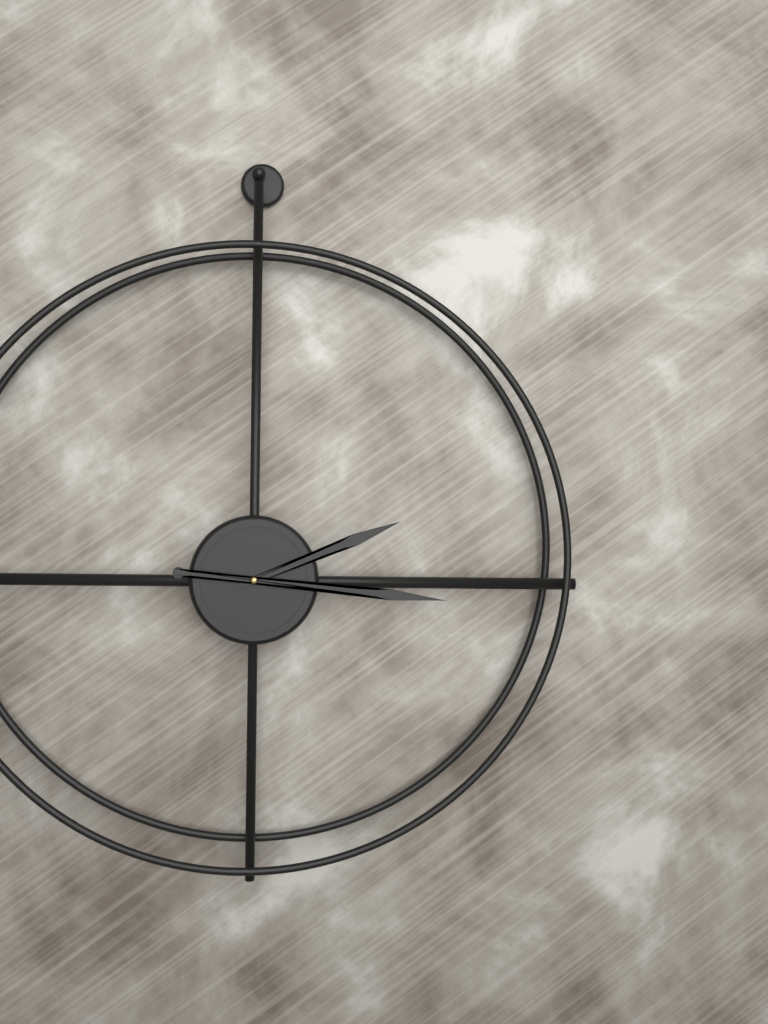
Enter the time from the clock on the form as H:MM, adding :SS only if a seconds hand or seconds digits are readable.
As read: 2:16
